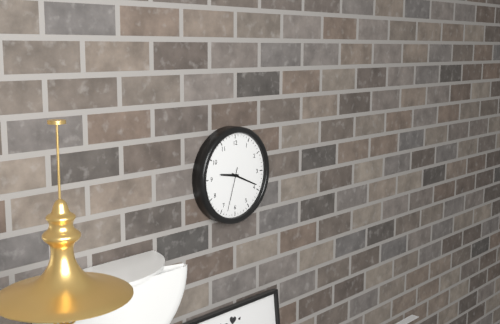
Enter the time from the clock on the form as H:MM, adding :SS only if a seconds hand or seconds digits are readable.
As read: 9:19
